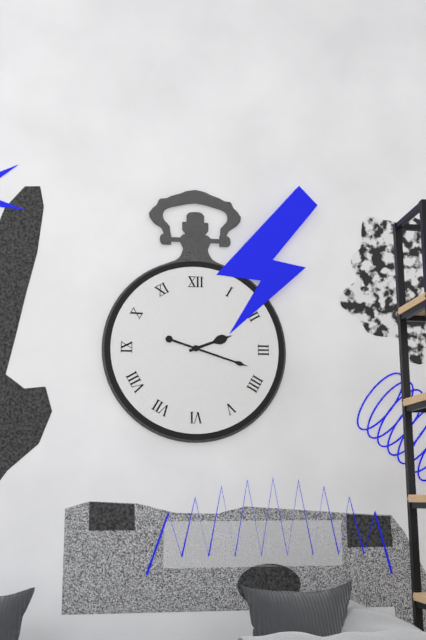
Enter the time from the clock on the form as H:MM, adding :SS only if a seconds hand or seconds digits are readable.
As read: 2:18
